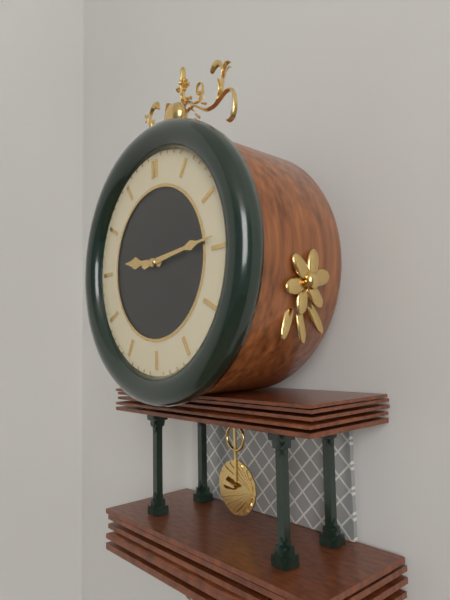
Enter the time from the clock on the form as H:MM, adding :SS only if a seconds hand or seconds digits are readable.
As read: 9:14
